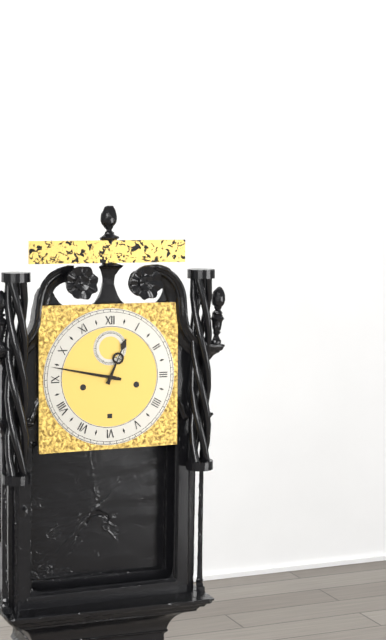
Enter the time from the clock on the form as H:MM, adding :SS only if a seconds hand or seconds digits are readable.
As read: 12:47
